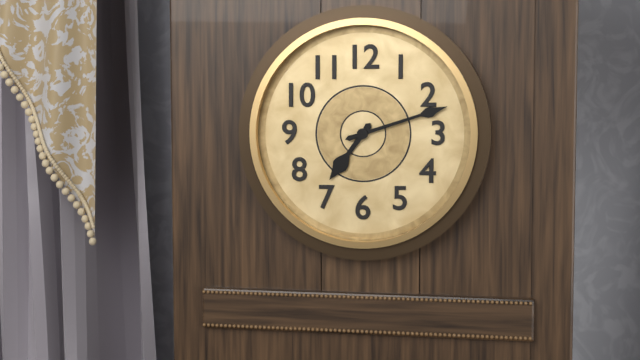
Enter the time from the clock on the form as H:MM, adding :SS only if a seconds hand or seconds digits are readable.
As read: 7:12
